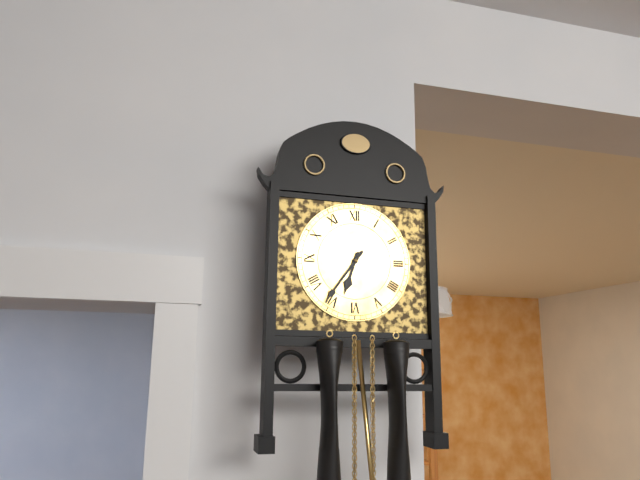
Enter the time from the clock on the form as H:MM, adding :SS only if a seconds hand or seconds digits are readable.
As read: 6:36
